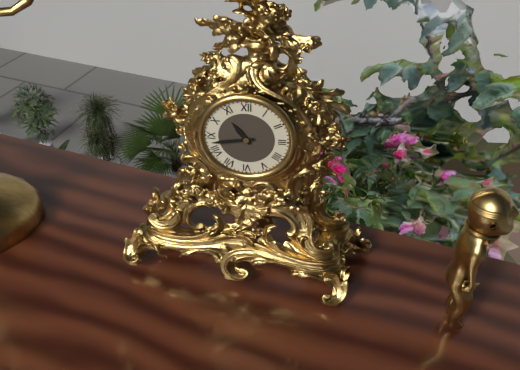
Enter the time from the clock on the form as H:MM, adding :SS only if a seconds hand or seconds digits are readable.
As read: 10:43
